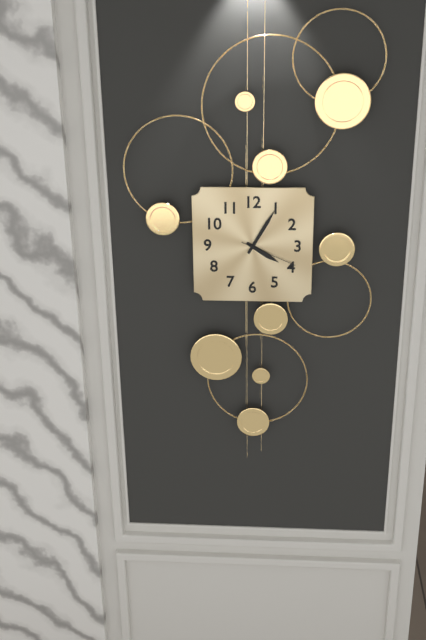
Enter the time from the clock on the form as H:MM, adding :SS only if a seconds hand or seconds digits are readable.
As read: 4:05:19
